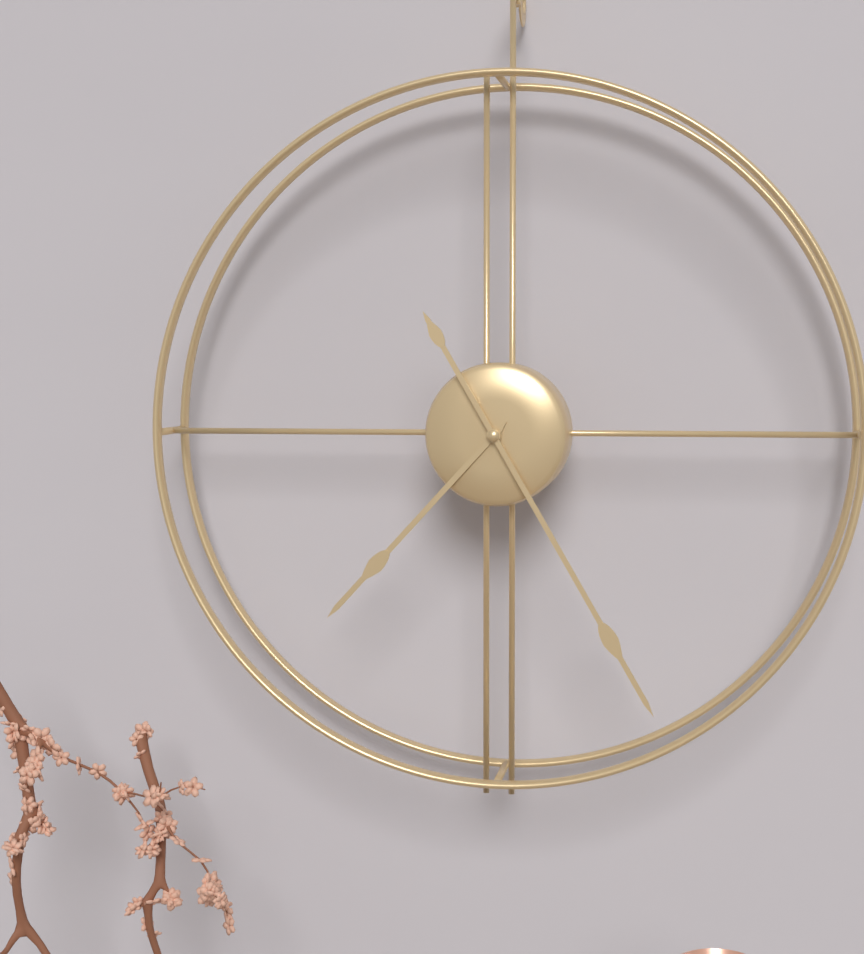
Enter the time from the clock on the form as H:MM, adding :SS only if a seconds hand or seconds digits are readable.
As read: 7:25
